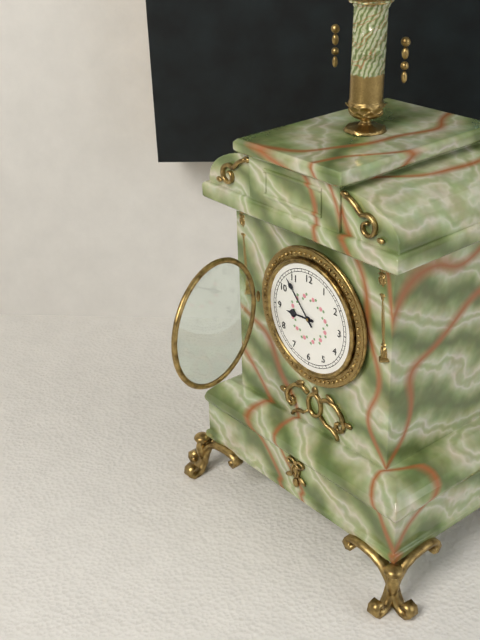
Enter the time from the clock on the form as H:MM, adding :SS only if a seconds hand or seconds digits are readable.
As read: 8:53
